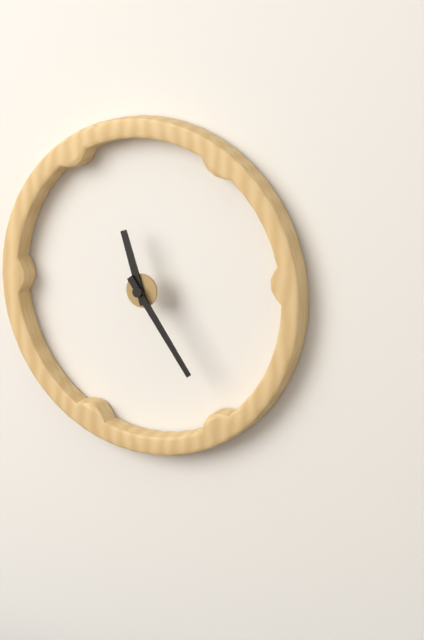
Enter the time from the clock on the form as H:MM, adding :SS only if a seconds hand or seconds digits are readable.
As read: 11:24
